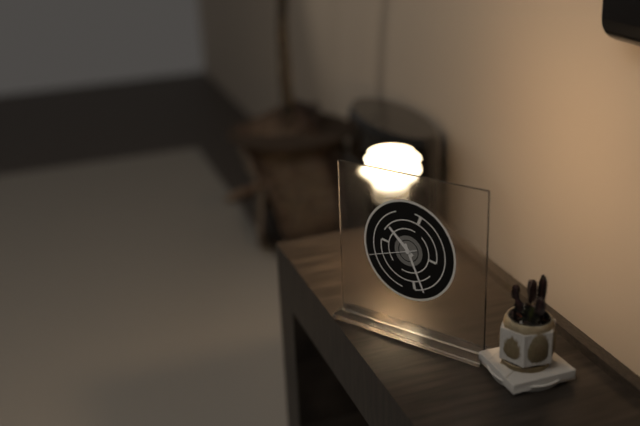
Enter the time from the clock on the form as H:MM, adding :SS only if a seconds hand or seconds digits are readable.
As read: 10:26:42
